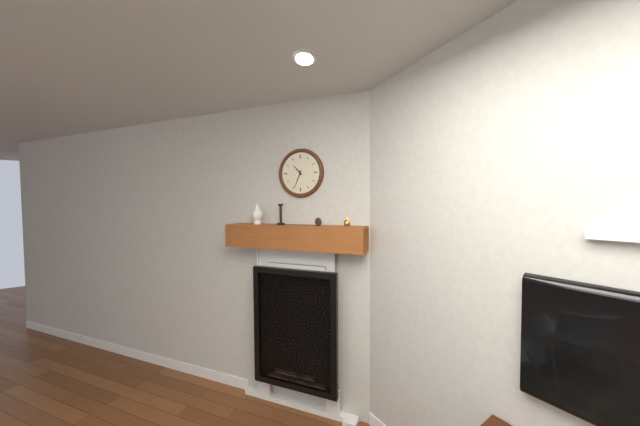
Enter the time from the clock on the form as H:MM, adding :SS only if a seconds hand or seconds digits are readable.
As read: 10:34
